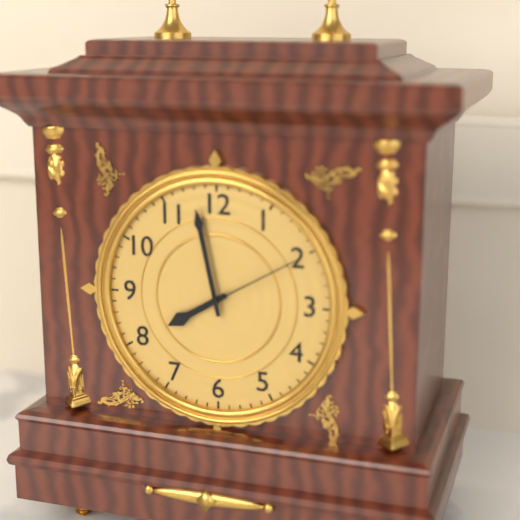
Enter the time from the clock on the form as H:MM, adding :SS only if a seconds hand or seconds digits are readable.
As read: 7:58:10
